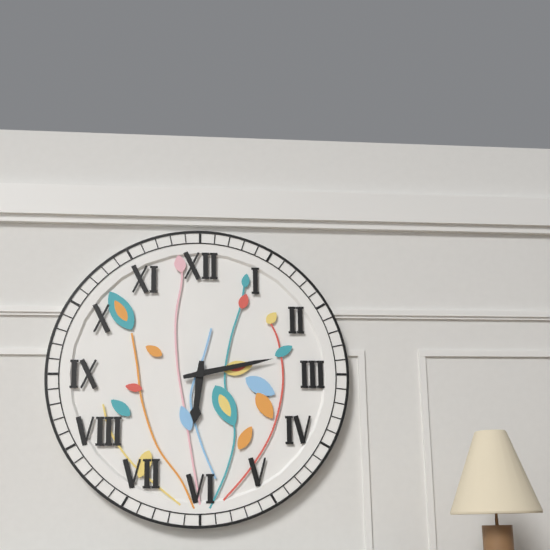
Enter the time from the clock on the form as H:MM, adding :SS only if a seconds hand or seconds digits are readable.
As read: 6:13
